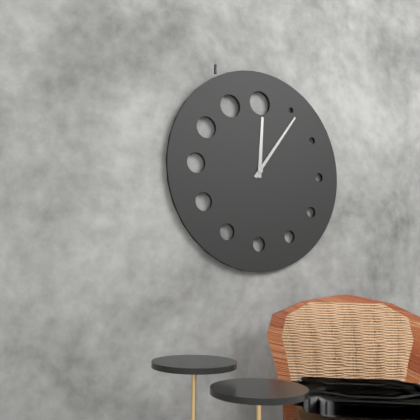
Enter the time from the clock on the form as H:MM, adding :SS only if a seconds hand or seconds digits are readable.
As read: 12:06
